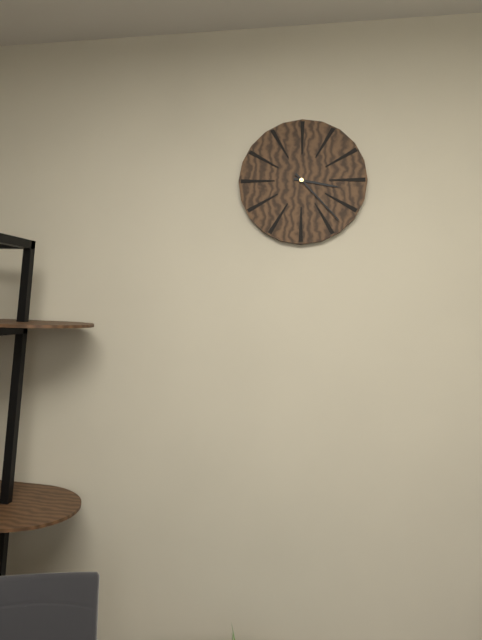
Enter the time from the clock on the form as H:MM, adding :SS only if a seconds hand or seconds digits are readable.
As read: 3:23
